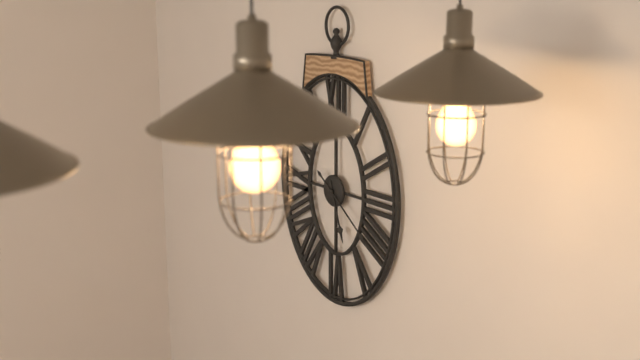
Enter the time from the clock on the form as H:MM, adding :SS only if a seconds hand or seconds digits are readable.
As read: 5:21
